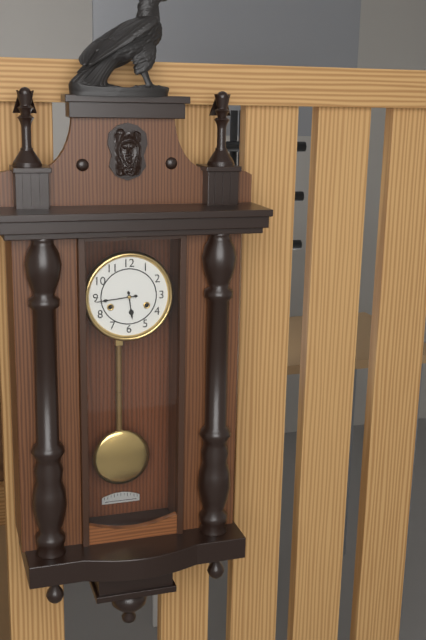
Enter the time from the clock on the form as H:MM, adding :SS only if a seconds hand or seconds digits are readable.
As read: 5:44
